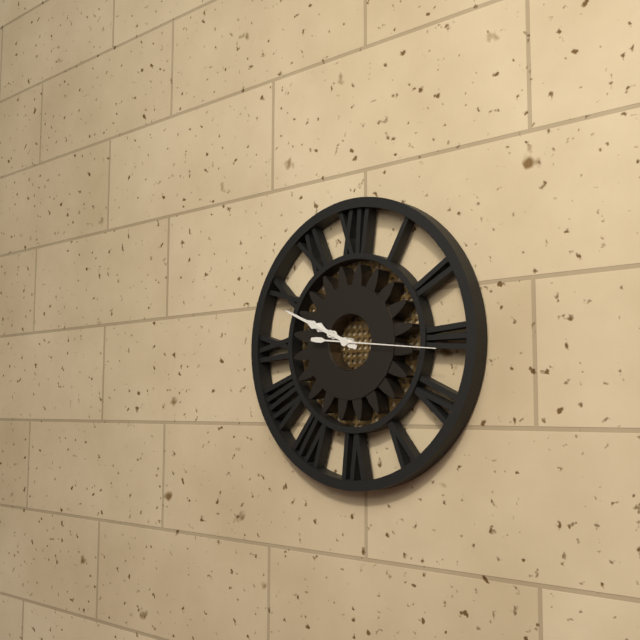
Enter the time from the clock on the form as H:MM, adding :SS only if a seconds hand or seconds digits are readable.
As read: 9:49:16
